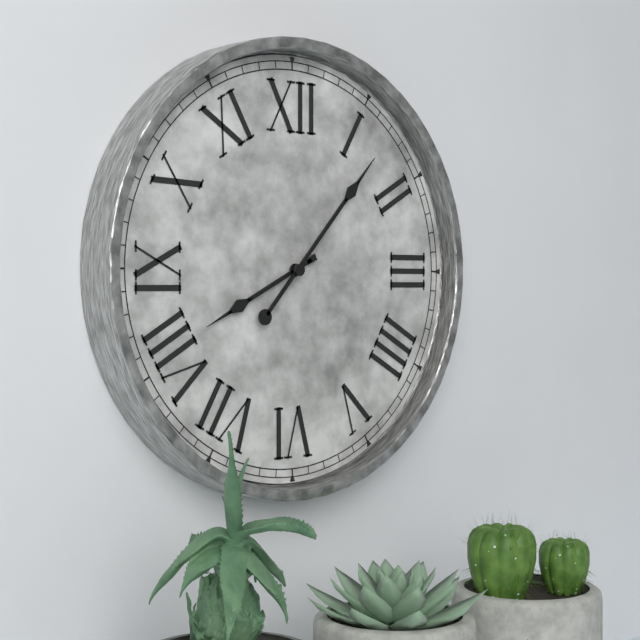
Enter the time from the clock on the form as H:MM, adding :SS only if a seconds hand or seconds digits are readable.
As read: 8:07
